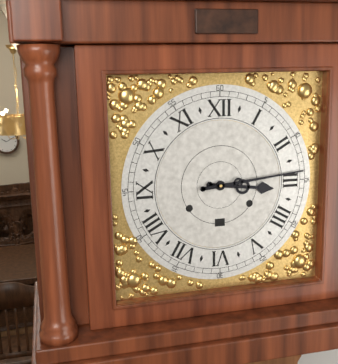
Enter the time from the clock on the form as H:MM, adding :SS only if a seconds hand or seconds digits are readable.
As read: 3:14
